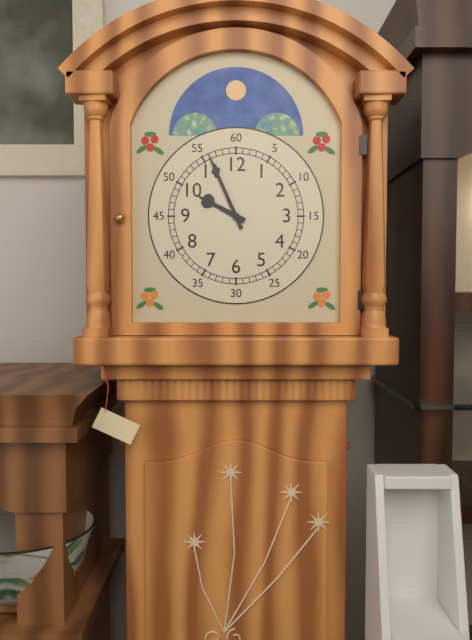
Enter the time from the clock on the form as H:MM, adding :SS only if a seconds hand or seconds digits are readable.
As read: 9:56
